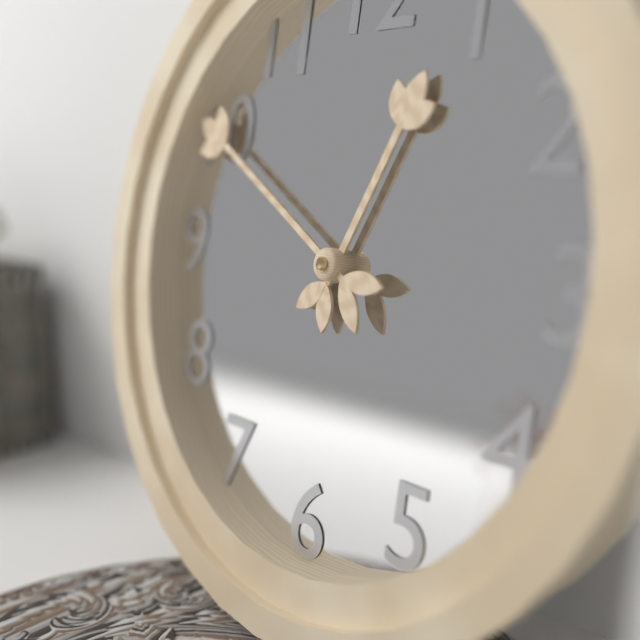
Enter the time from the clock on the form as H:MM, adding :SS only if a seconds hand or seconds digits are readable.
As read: 12:50
